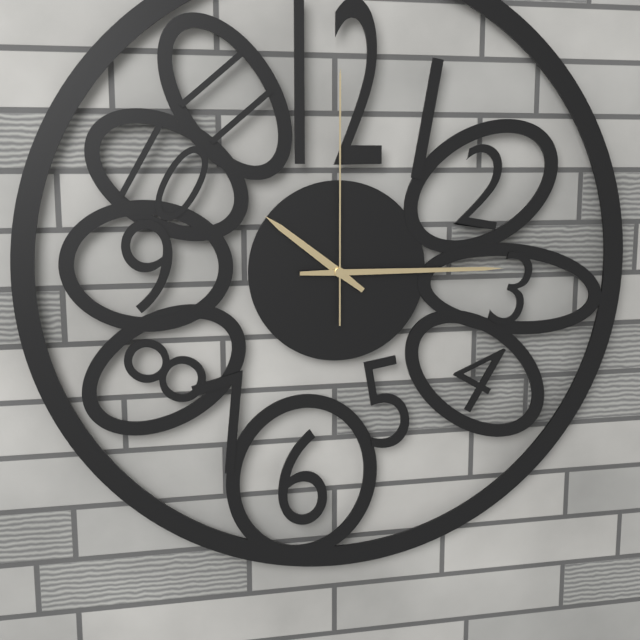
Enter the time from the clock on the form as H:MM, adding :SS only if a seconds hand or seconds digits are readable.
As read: 10:15:00
